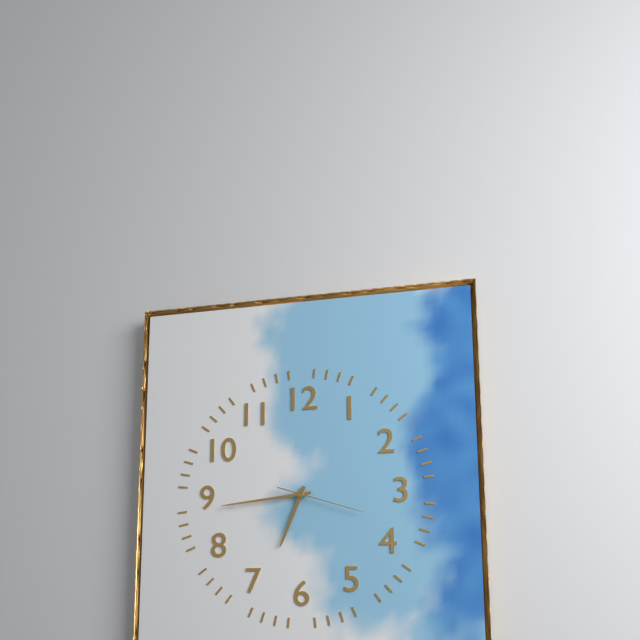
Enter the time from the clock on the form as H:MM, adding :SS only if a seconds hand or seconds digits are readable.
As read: 6:44:18
